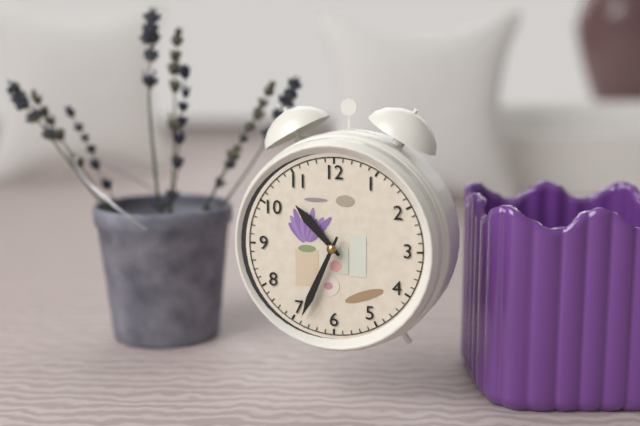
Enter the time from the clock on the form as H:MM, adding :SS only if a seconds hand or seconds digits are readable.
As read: 10:34
